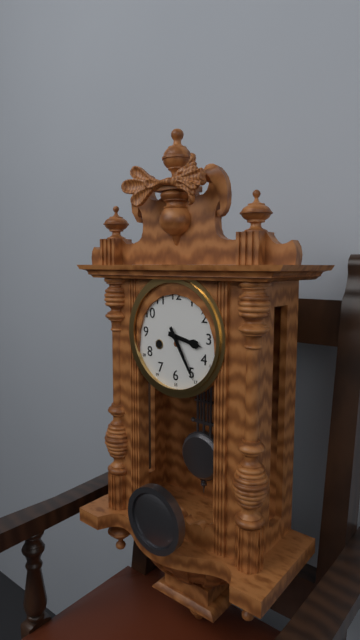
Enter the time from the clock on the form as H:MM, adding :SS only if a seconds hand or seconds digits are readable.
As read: 3:25
